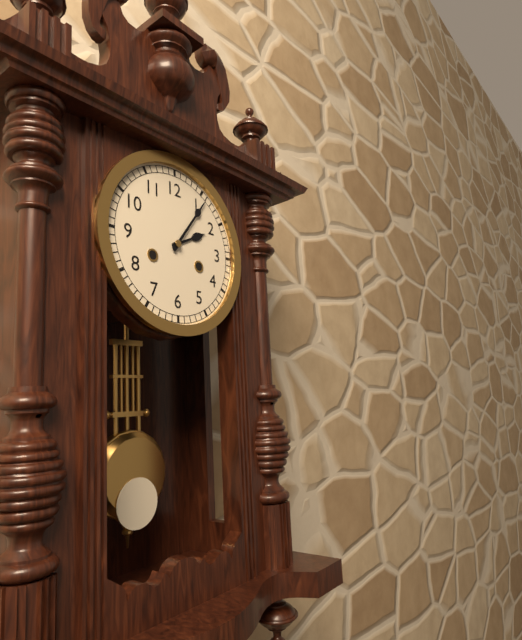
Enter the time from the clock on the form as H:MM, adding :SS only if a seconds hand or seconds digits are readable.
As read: 2:06
